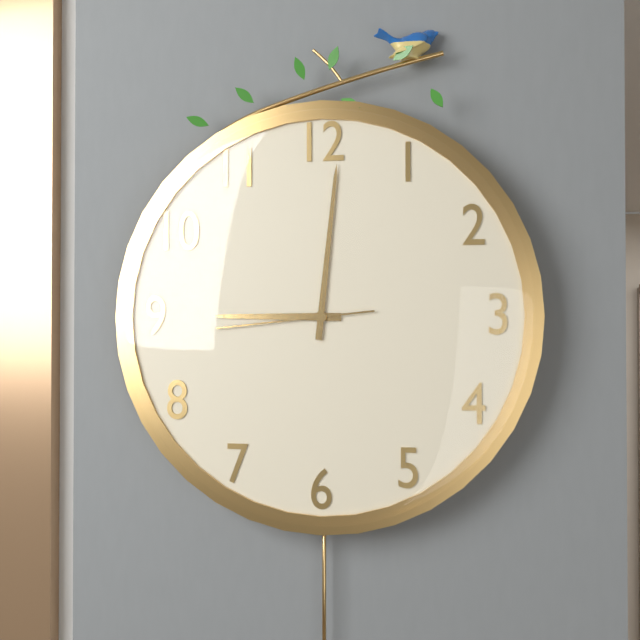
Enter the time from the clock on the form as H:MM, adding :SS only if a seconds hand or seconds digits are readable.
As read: 9:01:44
